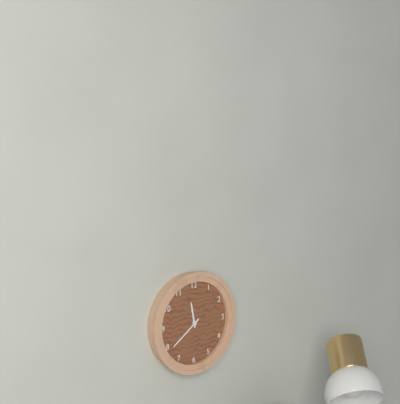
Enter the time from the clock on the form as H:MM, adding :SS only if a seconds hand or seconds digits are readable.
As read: 11:39
